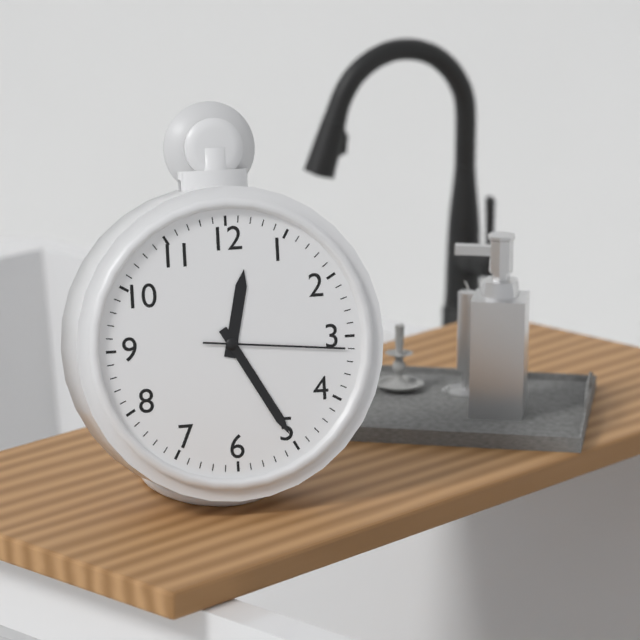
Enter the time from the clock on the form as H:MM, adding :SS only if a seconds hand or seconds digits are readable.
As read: 12:25:16
